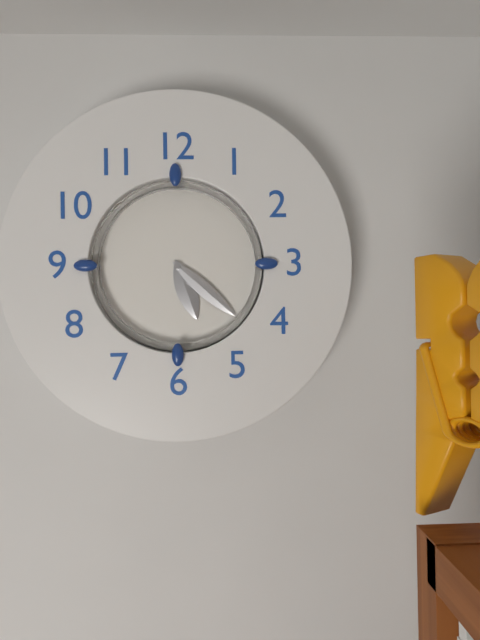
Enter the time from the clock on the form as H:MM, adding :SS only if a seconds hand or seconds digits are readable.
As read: 5:22
